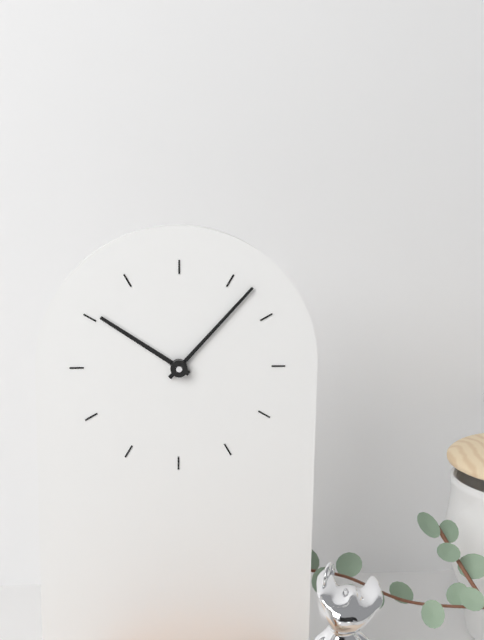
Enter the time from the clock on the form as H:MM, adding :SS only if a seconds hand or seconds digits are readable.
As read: 10:07
